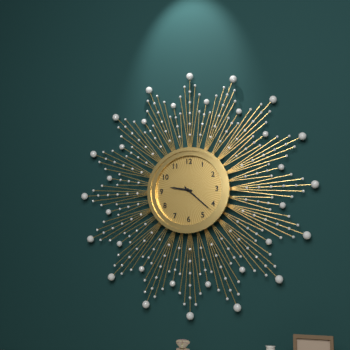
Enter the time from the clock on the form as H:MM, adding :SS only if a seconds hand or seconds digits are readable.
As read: 9:22
